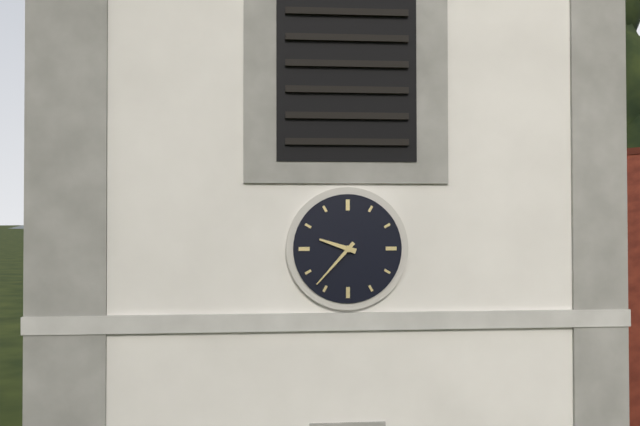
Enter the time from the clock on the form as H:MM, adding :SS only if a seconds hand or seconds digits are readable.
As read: 9:37
